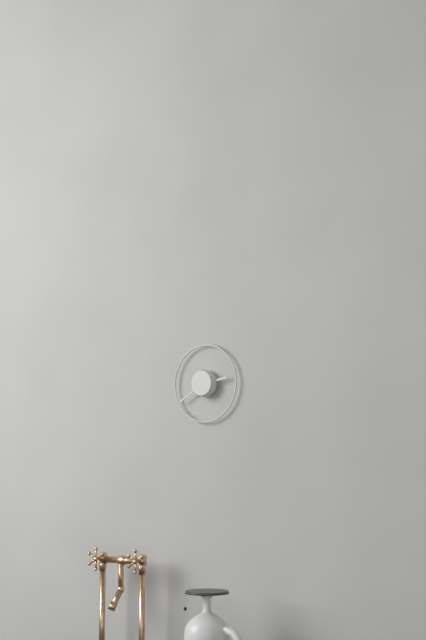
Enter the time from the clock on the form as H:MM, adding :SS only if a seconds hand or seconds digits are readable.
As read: 2:40
